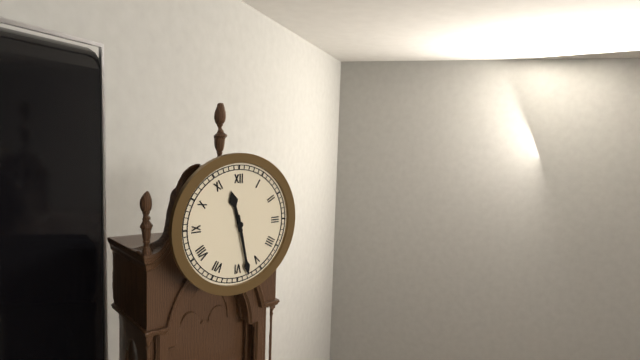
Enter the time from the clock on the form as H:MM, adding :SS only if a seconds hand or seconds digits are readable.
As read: 11:28
